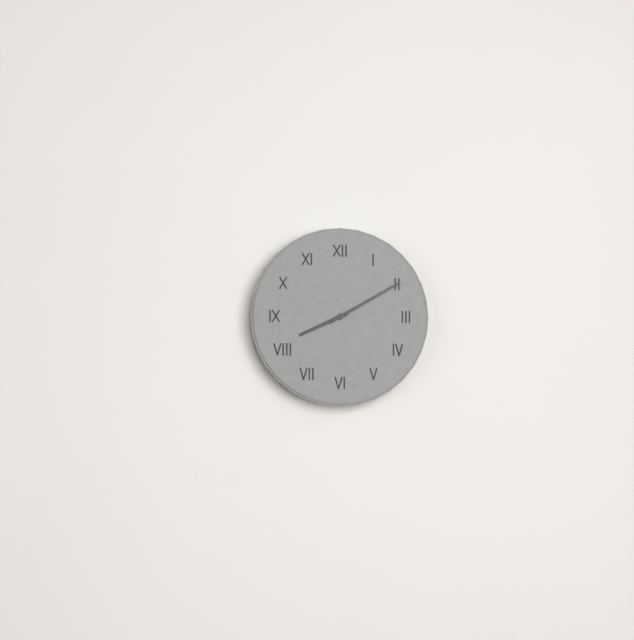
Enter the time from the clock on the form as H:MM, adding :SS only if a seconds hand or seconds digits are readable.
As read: 8:10
